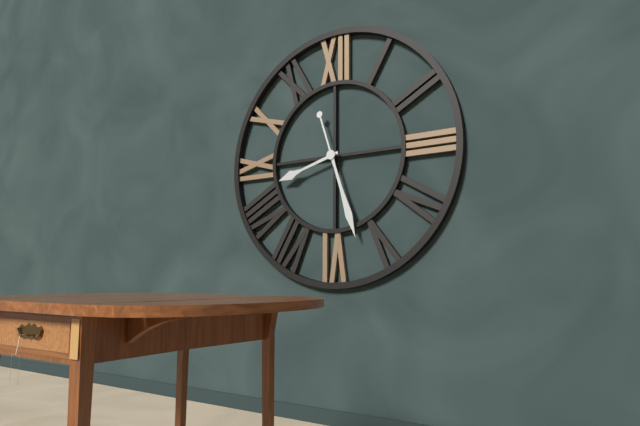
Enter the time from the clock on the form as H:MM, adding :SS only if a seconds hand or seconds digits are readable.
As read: 8:27
